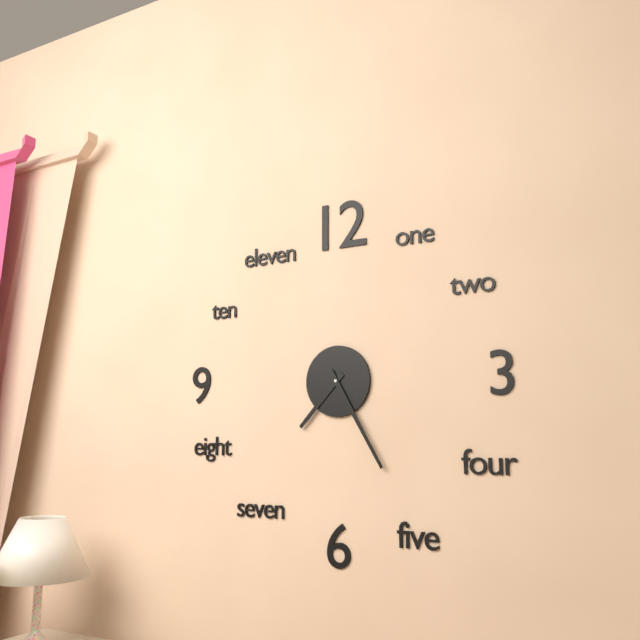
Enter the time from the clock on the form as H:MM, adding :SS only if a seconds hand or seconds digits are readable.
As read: 7:25
